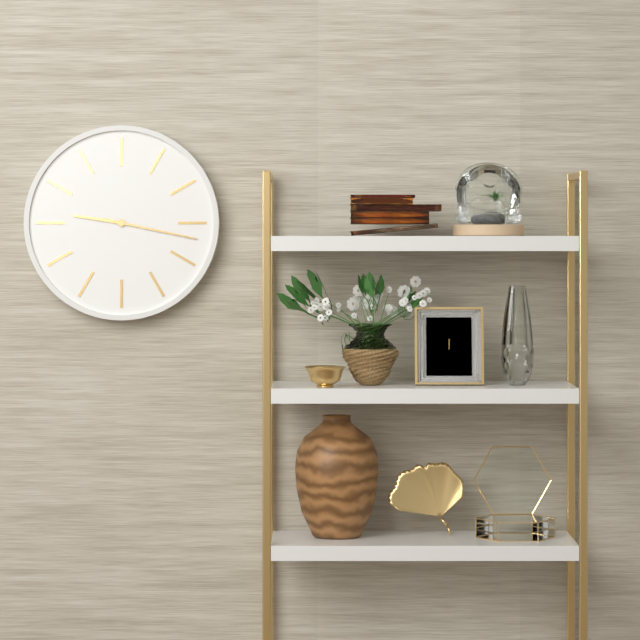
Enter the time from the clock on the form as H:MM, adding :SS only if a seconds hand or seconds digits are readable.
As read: 9:17
